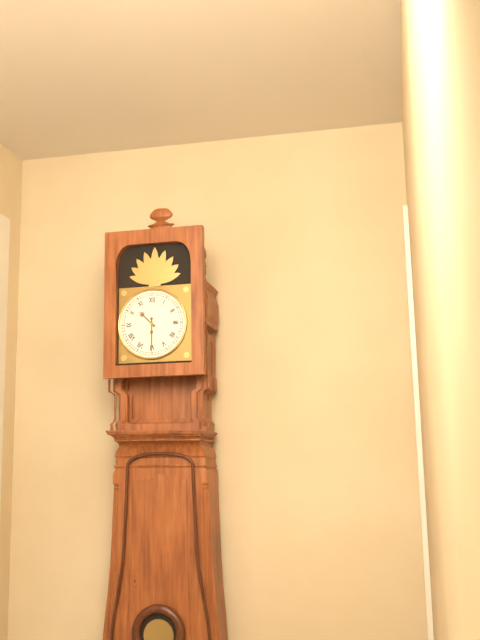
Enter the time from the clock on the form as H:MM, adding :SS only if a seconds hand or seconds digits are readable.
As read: 10:30
